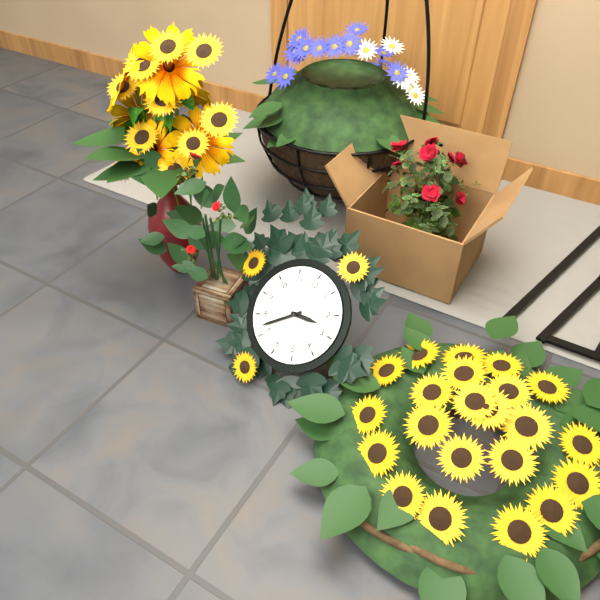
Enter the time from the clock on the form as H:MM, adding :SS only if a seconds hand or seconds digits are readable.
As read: 2:37
